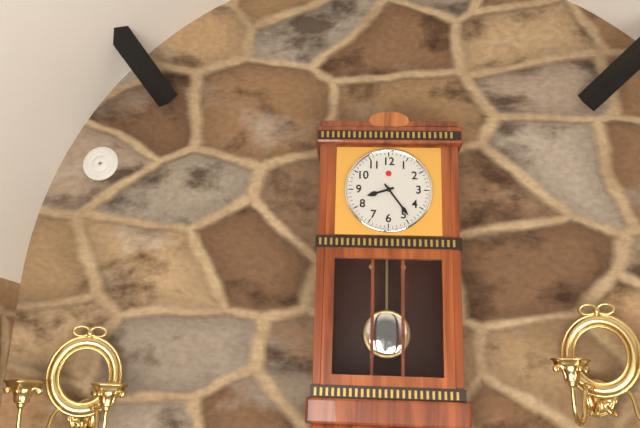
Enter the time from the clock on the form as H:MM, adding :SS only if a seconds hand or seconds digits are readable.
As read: 8:24
